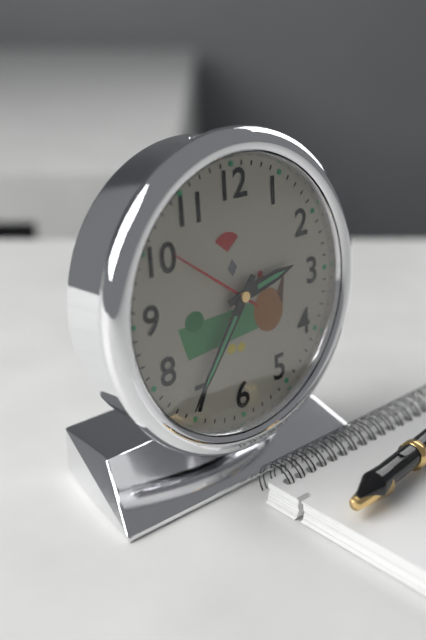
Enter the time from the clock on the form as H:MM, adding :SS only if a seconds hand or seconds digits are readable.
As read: 2:36
